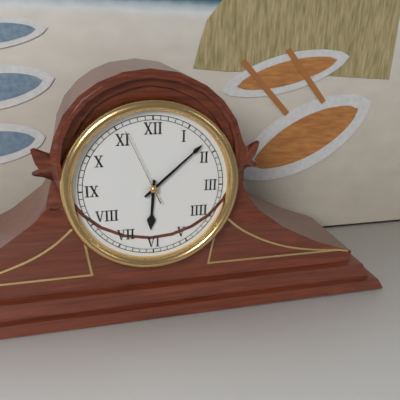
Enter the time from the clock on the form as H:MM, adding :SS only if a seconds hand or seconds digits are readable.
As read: 6:08:56
